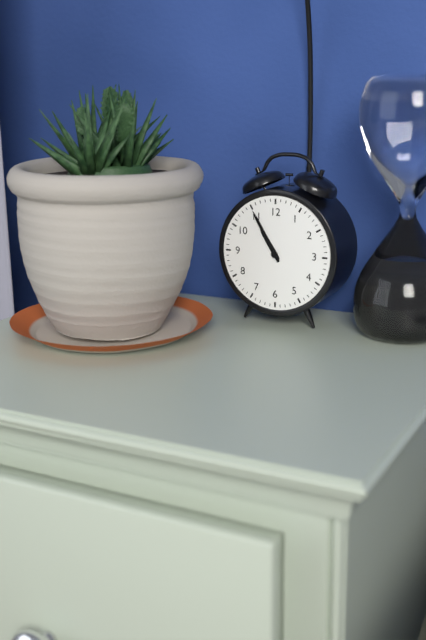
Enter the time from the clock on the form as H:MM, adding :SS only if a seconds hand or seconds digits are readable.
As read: 10:55
